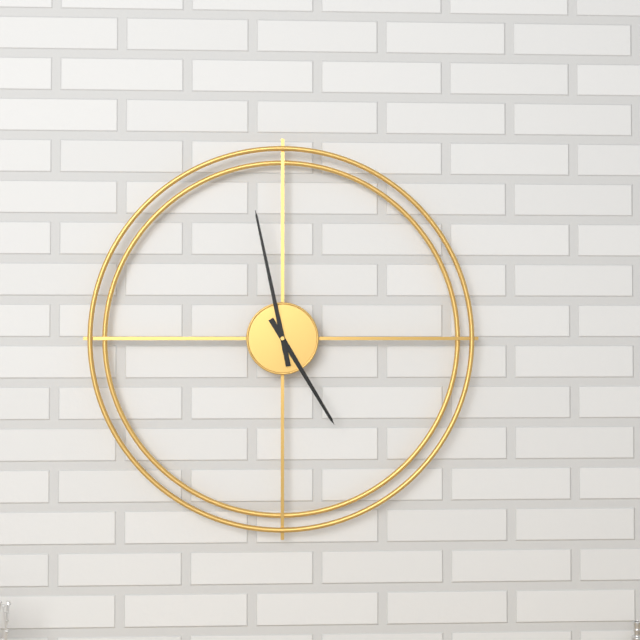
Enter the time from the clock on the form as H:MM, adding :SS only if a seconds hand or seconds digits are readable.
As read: 4:58
